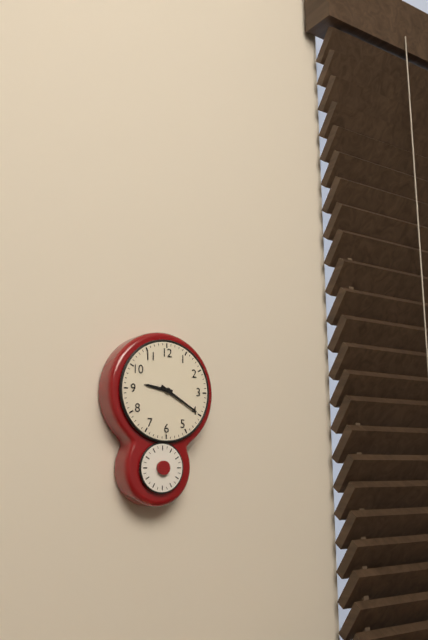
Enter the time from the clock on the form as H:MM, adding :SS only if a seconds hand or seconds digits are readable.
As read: 9:20
